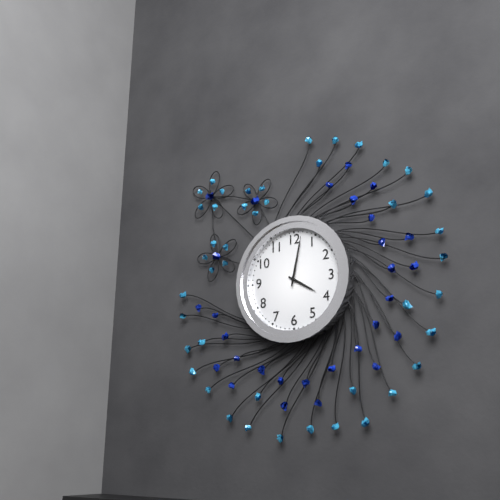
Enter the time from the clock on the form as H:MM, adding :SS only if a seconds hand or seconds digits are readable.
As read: 4:02
